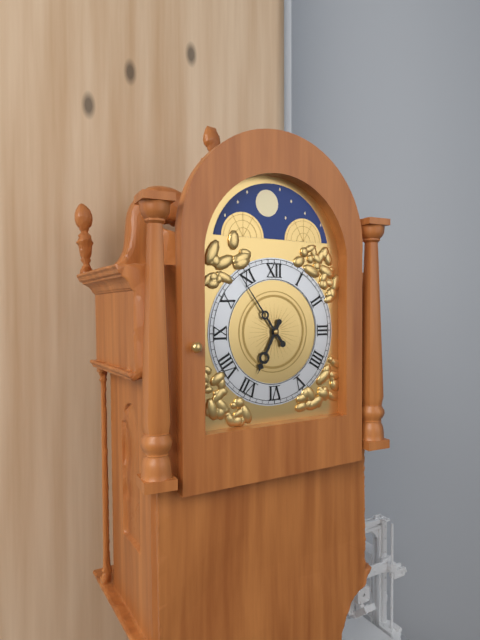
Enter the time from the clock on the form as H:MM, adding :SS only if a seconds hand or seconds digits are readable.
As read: 6:54
